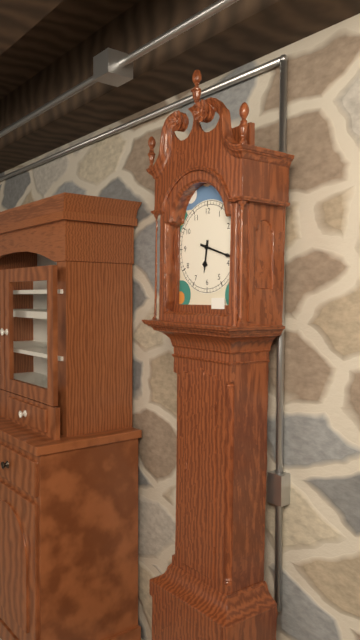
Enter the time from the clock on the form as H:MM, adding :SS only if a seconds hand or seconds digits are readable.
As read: 6:18
